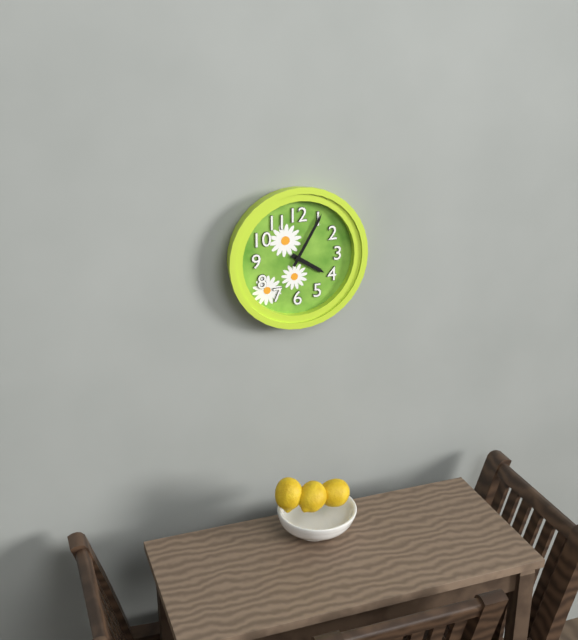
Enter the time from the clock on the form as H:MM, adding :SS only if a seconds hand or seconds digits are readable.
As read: 4:05
